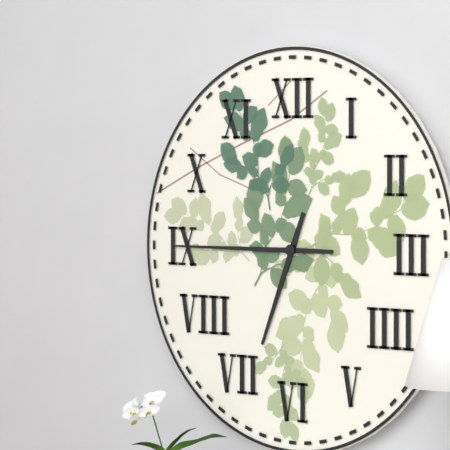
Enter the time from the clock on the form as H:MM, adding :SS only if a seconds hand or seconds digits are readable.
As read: 6:45
